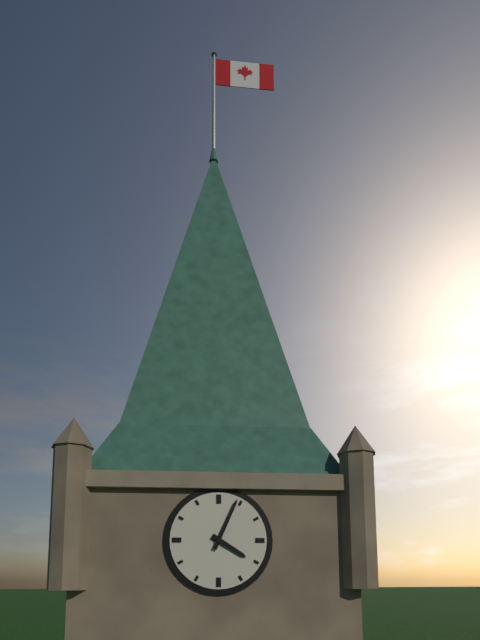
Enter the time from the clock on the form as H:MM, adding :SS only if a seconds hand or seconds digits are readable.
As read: 4:04
